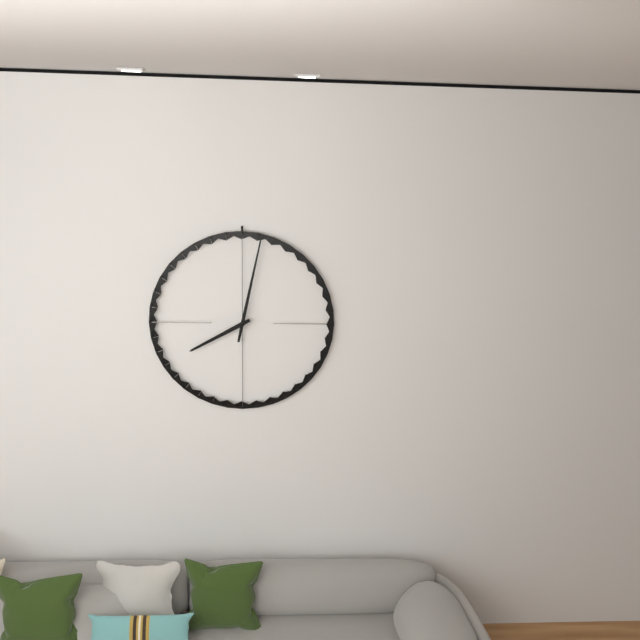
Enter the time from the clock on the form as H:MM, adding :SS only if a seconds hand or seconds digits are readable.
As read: 8:02
